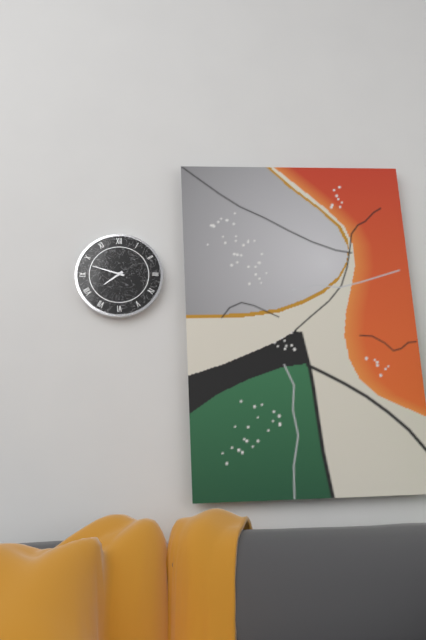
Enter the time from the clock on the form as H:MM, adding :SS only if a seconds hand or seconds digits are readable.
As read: 7:48
